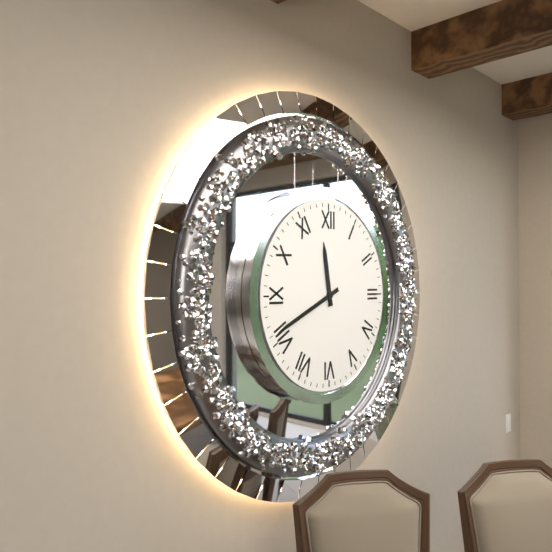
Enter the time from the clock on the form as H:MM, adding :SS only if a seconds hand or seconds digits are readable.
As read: 11:41
